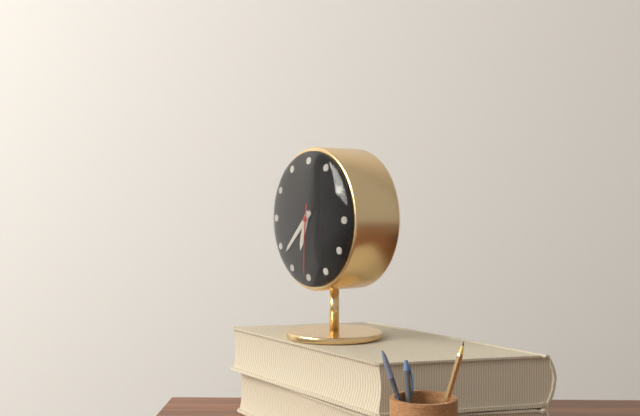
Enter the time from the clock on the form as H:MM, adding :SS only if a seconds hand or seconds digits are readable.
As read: 6:38:31
